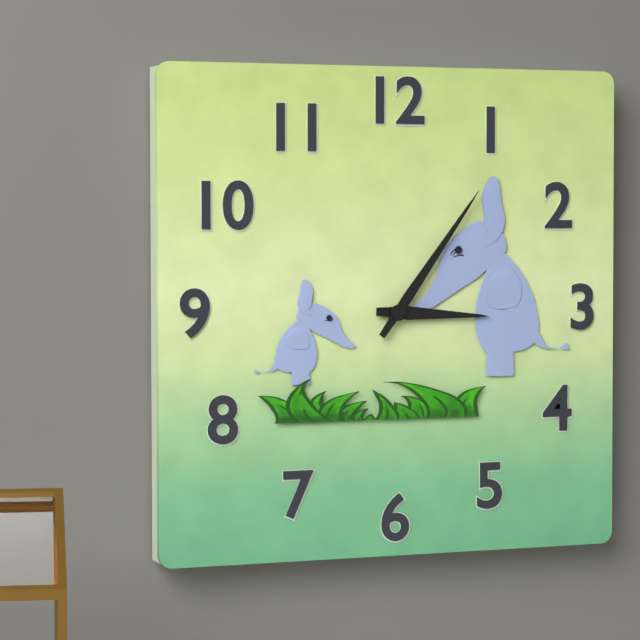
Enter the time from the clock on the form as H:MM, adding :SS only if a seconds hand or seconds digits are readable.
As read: 3:06
